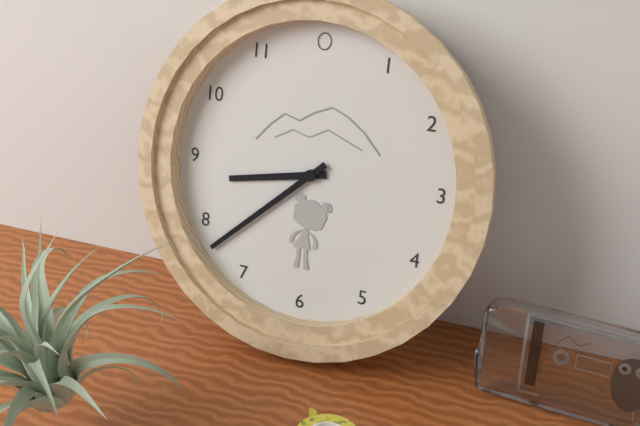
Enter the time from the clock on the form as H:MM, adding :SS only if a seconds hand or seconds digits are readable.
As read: 8:38
